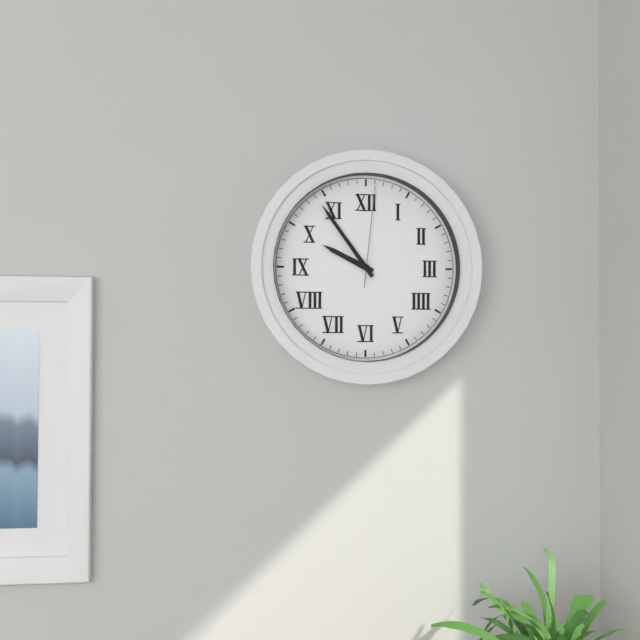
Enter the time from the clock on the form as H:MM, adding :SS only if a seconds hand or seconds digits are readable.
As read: 9:54:01
